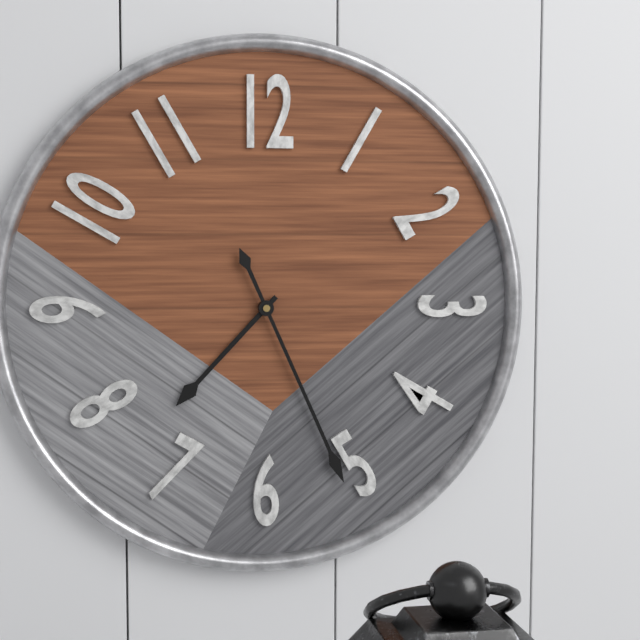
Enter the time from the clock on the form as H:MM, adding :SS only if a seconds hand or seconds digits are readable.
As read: 7:26
